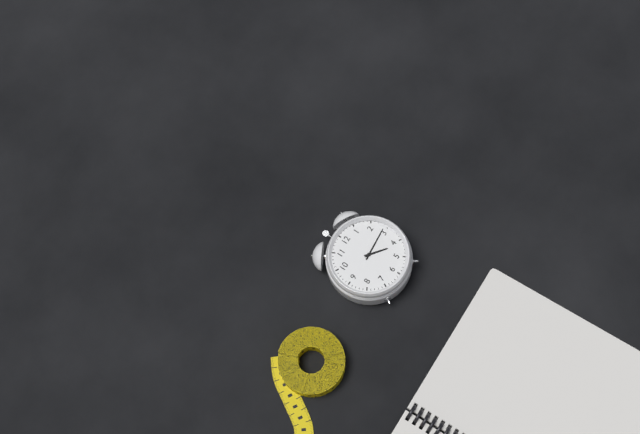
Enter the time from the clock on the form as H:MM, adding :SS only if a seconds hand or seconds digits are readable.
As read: 4:14
